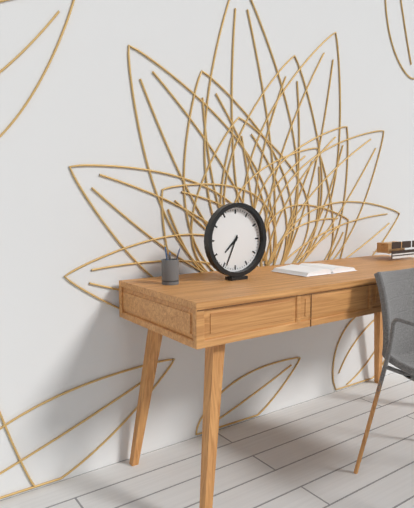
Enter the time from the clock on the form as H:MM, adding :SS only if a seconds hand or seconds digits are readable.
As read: 7:34
